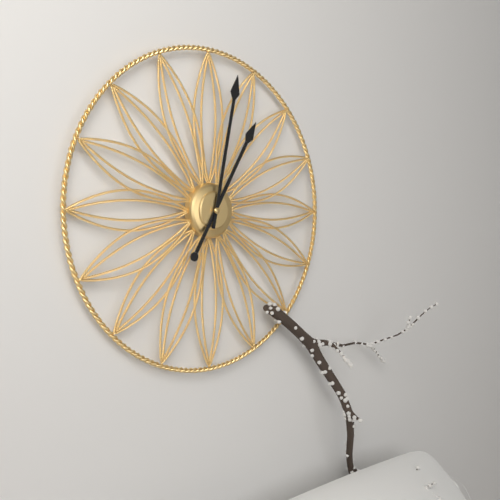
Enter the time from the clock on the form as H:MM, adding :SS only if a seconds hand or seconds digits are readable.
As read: 1:02
